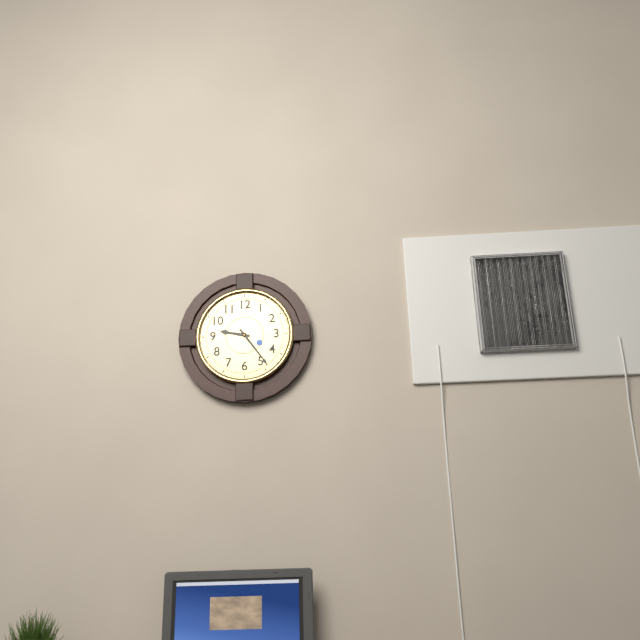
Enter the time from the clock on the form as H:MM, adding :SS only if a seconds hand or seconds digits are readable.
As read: 9:24
